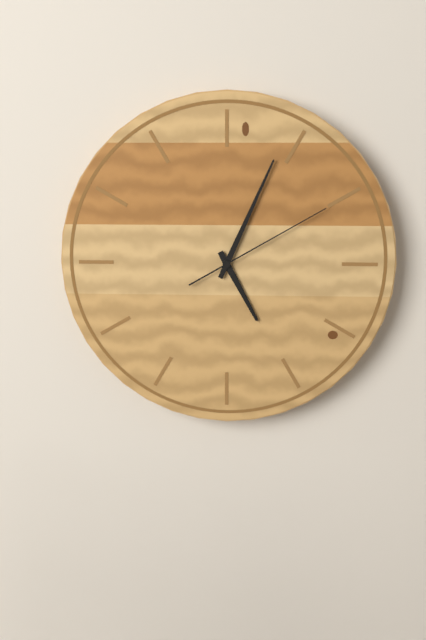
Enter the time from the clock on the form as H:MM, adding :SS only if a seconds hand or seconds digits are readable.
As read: 5:04:10
